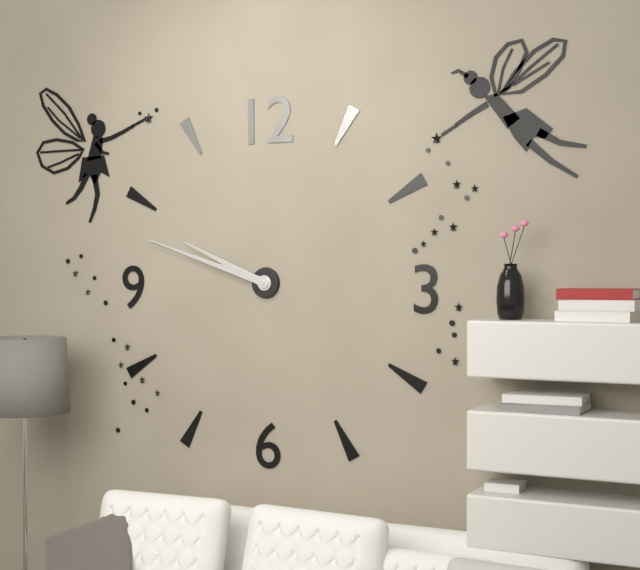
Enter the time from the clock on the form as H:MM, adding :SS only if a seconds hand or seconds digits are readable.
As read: 9:48
